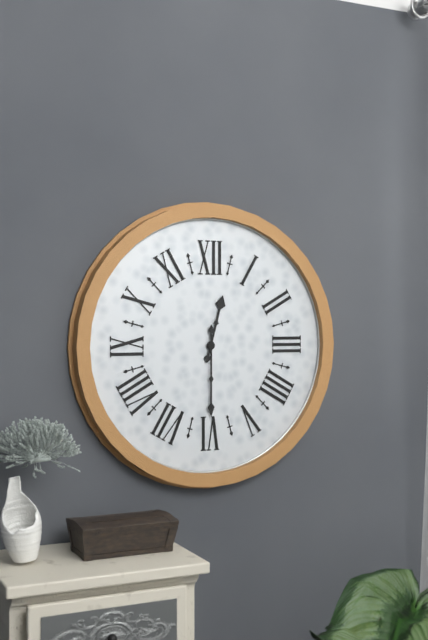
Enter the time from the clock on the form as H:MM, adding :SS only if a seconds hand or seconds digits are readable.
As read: 12:30
